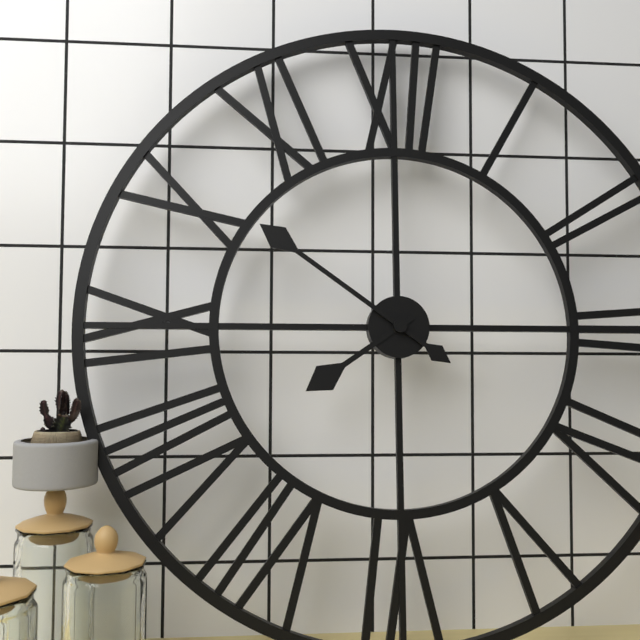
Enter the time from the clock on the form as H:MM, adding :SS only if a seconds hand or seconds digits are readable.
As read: 7:51
